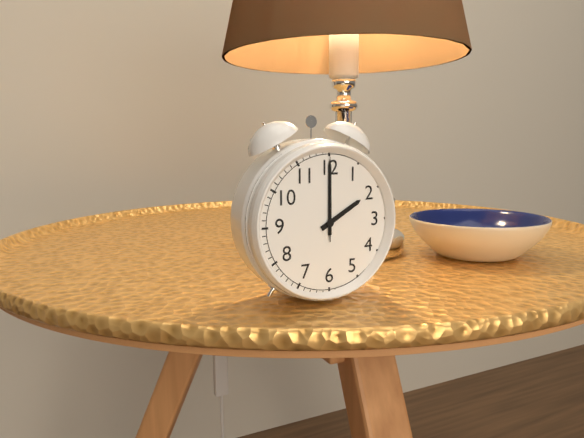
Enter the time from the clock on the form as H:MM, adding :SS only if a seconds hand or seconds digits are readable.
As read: 2:00:00
